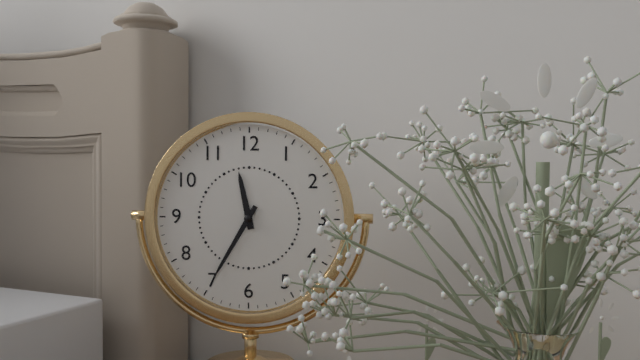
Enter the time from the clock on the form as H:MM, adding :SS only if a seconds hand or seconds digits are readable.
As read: 11:35
